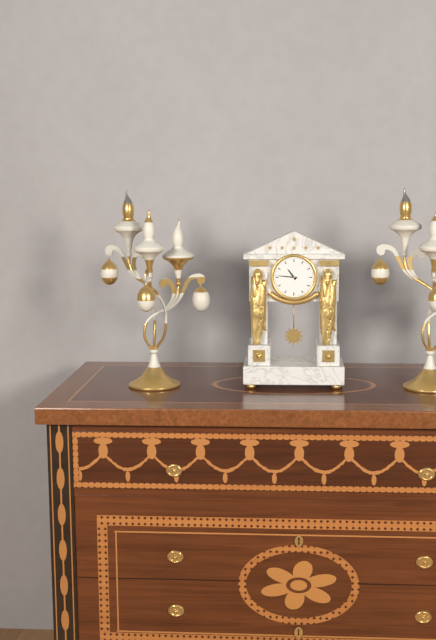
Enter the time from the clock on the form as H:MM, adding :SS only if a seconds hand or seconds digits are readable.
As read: 10:46
